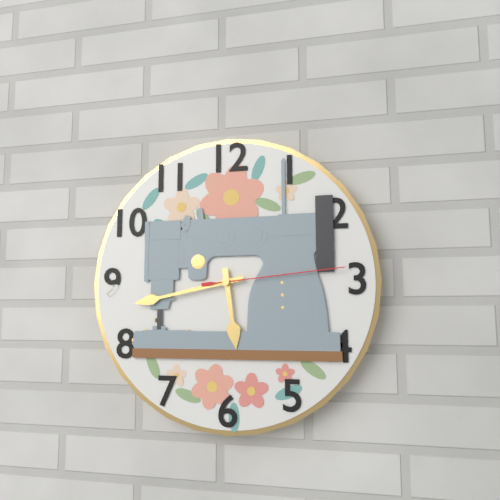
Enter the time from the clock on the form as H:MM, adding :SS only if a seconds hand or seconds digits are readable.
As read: 5:43:14
